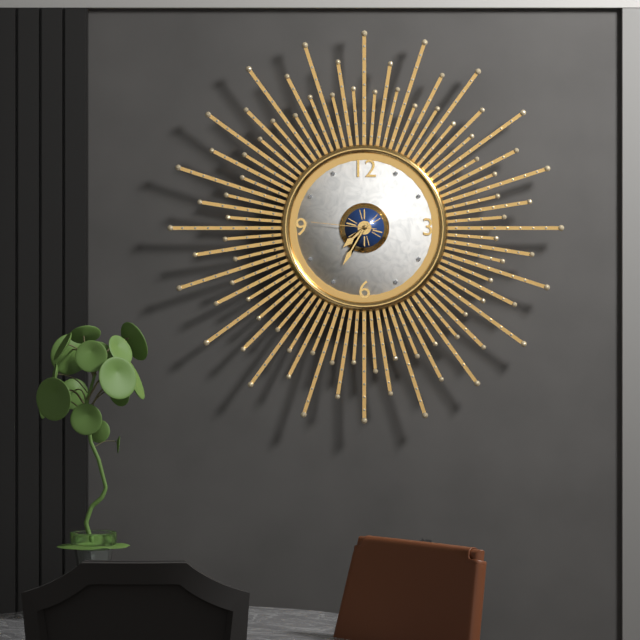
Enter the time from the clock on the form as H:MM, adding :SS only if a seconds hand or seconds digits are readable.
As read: 7:35:46
